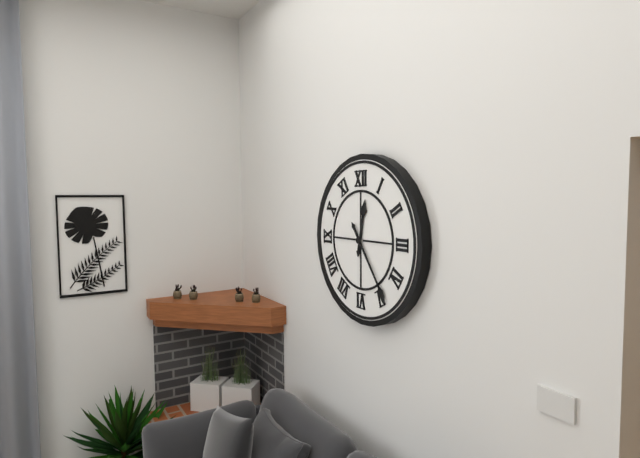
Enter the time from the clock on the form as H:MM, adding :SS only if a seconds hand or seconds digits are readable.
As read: 12:24
